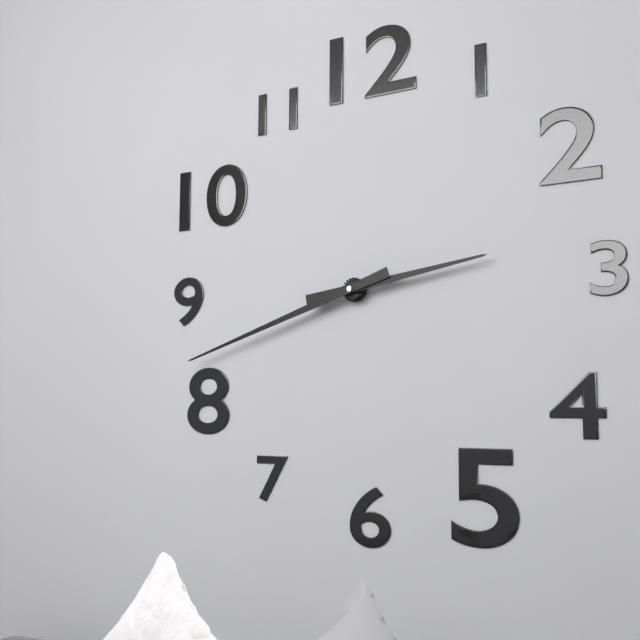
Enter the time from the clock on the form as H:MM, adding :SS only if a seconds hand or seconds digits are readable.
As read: 2:42
